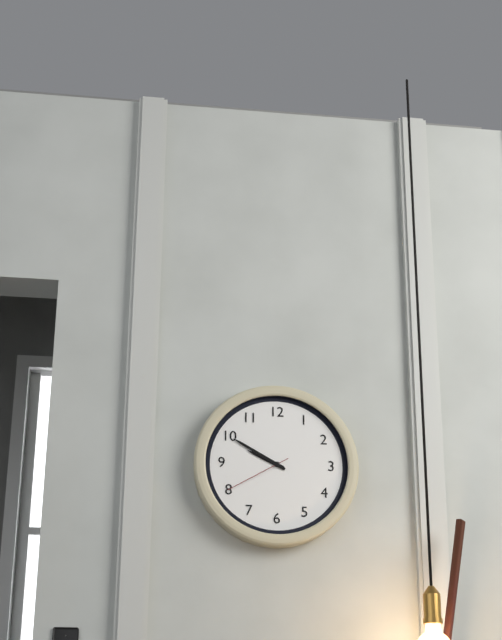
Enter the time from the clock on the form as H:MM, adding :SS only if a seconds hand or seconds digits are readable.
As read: 9:50:40
